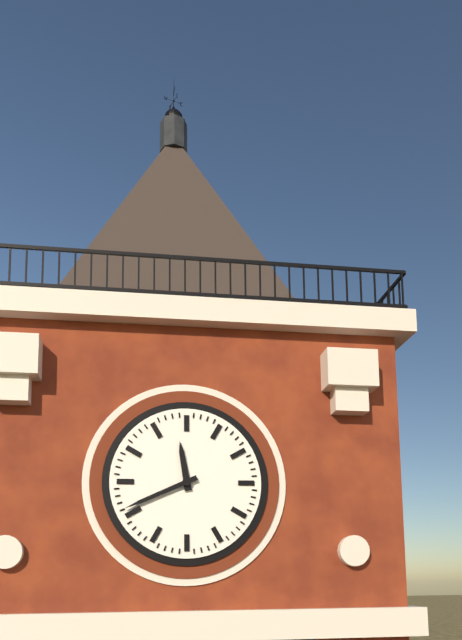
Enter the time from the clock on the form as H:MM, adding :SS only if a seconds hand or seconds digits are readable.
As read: 11:41
